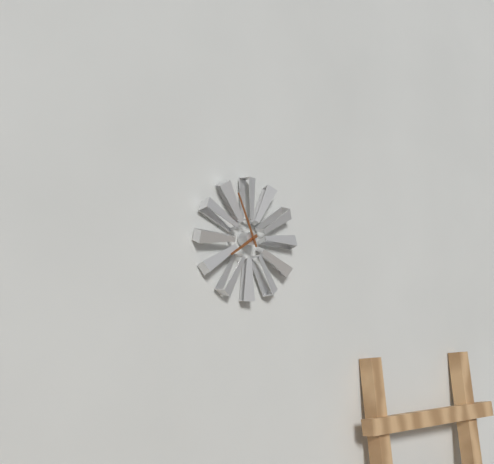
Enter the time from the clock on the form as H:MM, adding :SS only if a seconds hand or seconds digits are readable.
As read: 7:56
